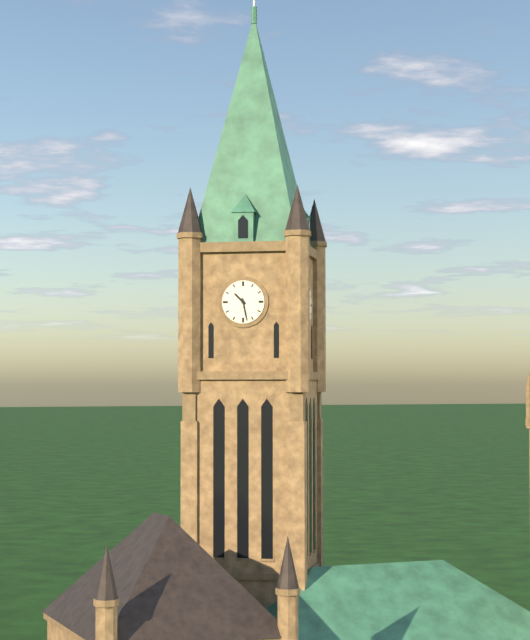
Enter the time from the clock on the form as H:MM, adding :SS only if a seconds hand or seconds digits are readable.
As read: 10:28
